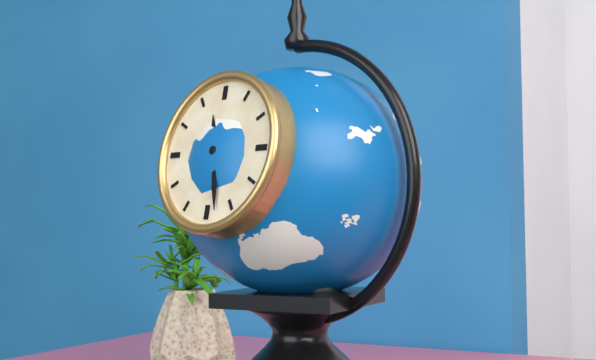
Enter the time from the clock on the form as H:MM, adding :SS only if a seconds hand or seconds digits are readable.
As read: 11:28
